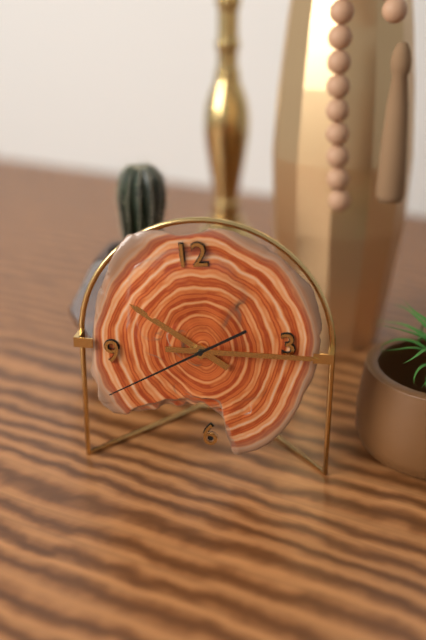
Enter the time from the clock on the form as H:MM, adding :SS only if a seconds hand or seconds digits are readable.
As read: 10:16:41
